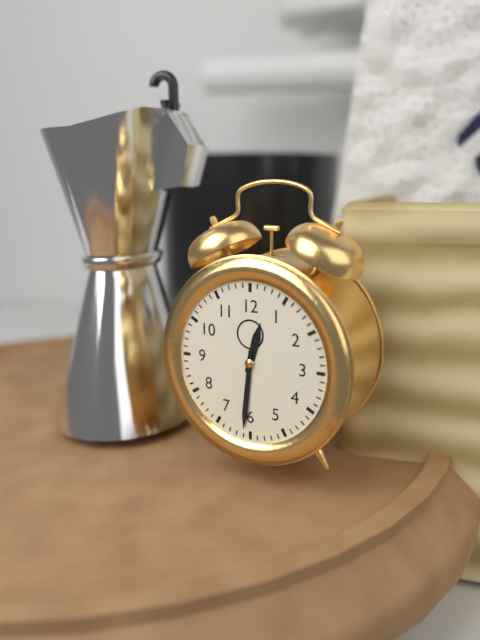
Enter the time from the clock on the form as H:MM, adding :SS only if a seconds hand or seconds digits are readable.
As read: 12:31
